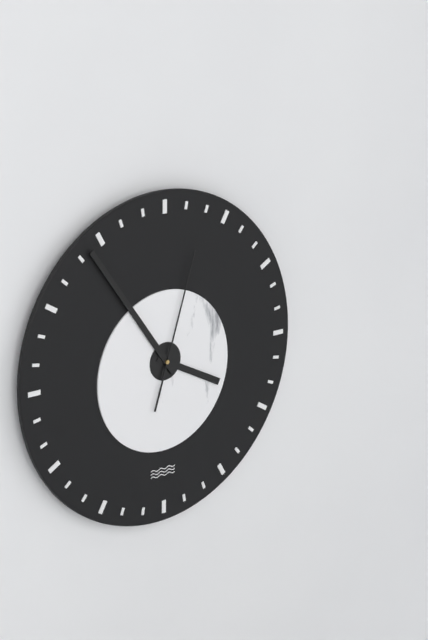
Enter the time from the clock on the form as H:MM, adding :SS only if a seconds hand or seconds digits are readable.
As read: 3:54:03
